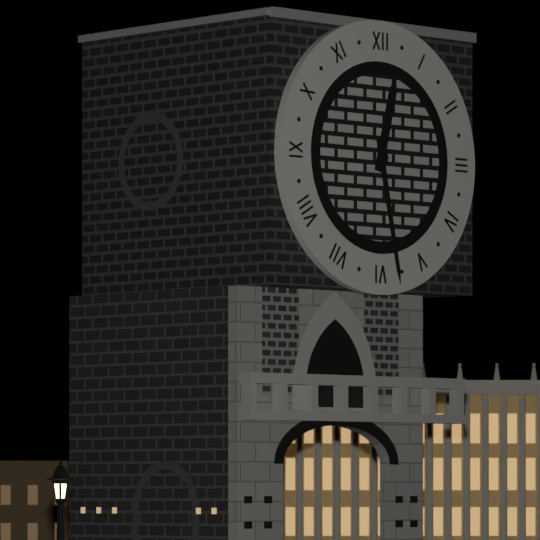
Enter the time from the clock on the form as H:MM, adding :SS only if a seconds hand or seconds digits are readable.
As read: 12:28
